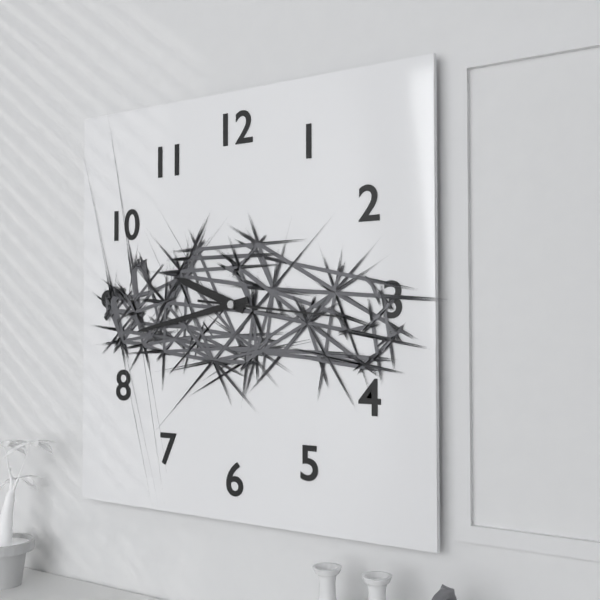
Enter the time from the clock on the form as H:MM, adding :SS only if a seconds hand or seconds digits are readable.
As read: 9:43:16
